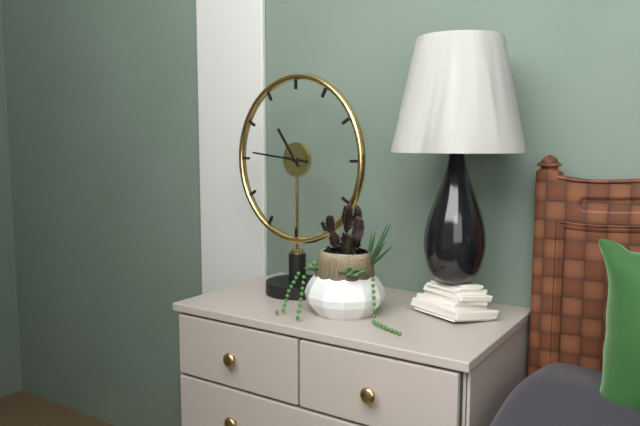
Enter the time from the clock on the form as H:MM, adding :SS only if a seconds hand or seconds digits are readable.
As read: 10:46
